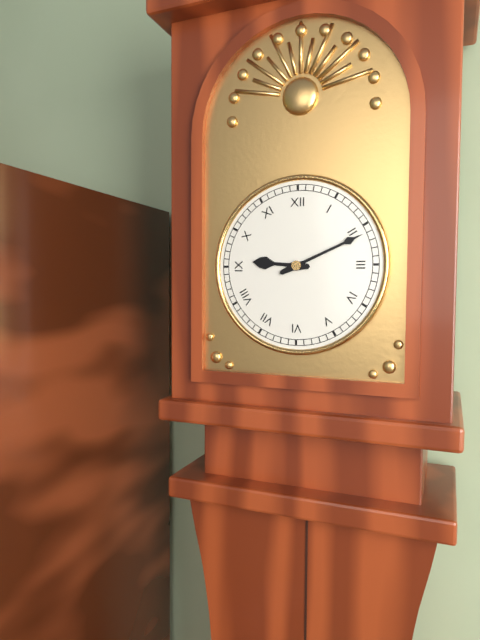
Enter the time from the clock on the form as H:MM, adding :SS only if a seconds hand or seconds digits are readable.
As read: 9:11
